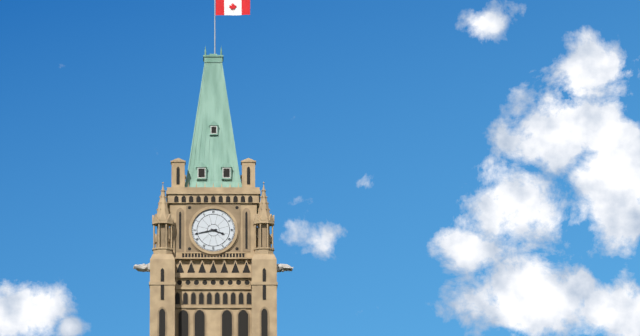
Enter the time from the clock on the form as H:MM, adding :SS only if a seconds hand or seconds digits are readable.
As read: 3:43
